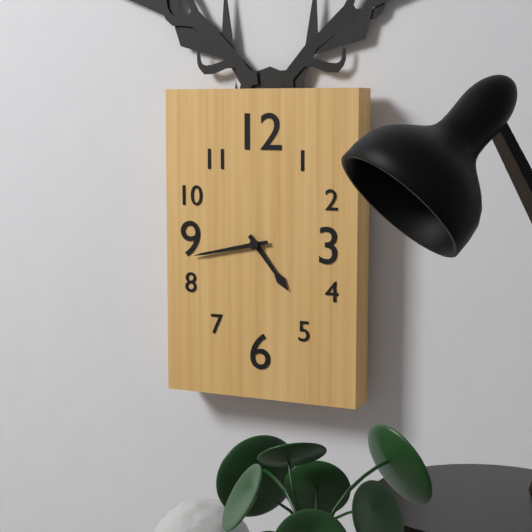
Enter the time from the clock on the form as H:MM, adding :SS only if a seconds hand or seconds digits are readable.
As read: 4:43
